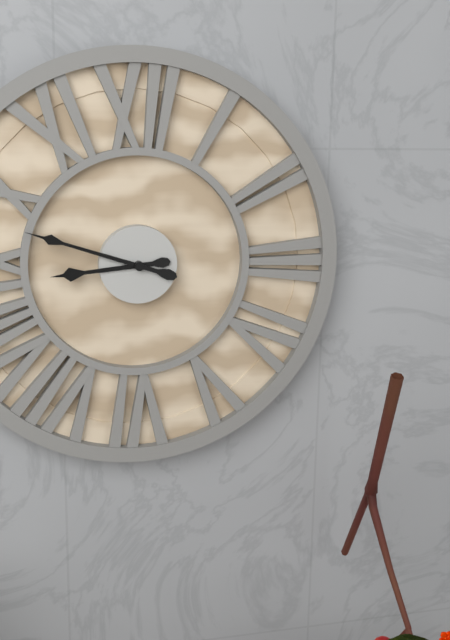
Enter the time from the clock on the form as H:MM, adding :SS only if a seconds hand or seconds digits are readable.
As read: 8:48
